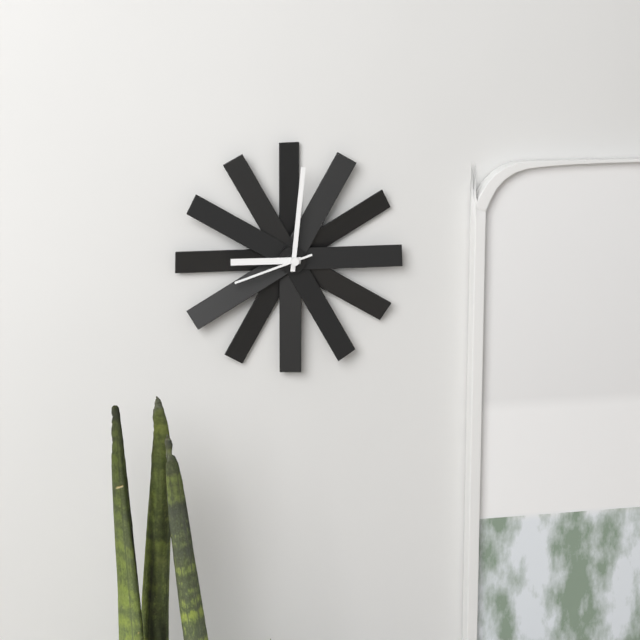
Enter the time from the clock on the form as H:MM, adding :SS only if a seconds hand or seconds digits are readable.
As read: 9:01:42
